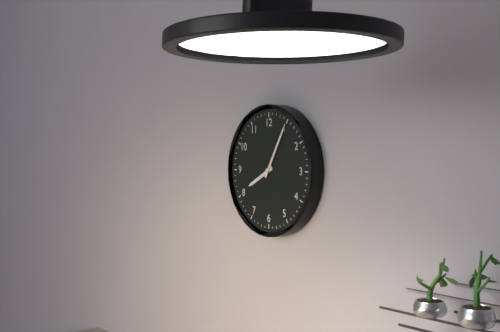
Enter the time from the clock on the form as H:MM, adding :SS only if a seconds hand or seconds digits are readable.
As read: 8:05
